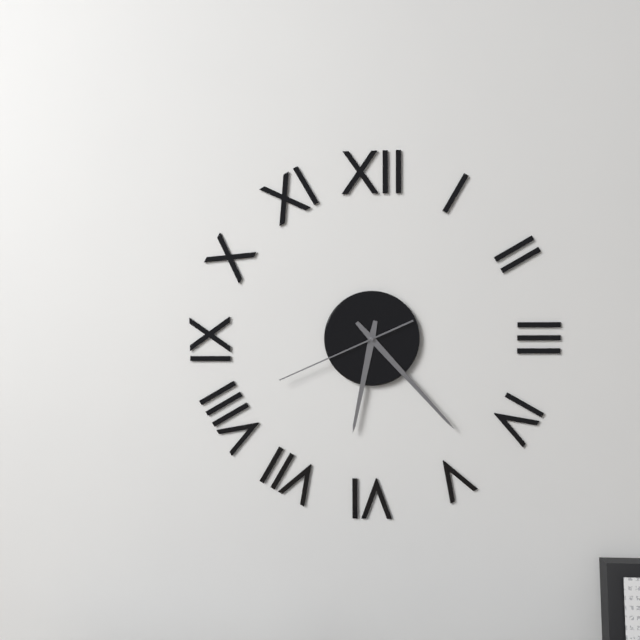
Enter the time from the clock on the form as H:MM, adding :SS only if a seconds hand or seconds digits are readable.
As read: 6:23:41
